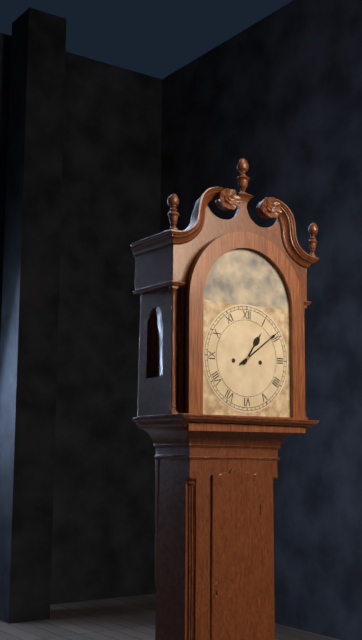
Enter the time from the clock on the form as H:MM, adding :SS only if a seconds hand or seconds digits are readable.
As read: 1:09
